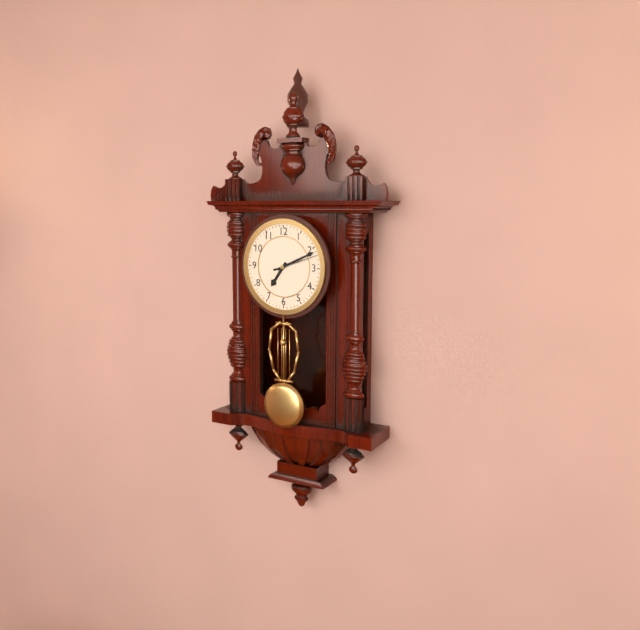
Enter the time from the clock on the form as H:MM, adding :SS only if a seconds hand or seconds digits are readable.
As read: 7:11
